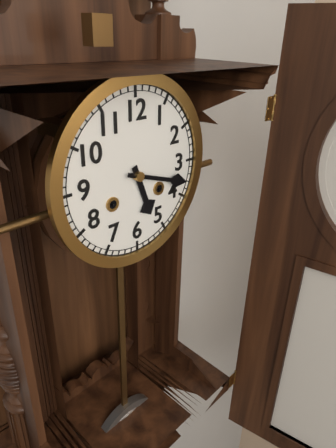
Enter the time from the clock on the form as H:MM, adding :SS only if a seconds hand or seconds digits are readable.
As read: 5:18
